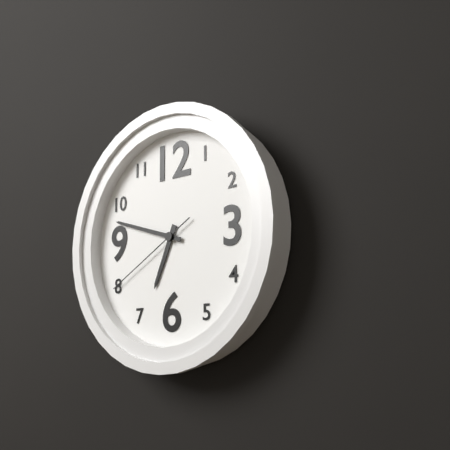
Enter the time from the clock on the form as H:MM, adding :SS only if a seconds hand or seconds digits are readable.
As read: 6:48:40
